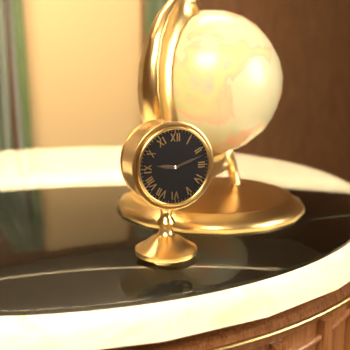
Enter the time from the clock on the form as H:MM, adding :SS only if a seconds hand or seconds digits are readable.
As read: 9:12
